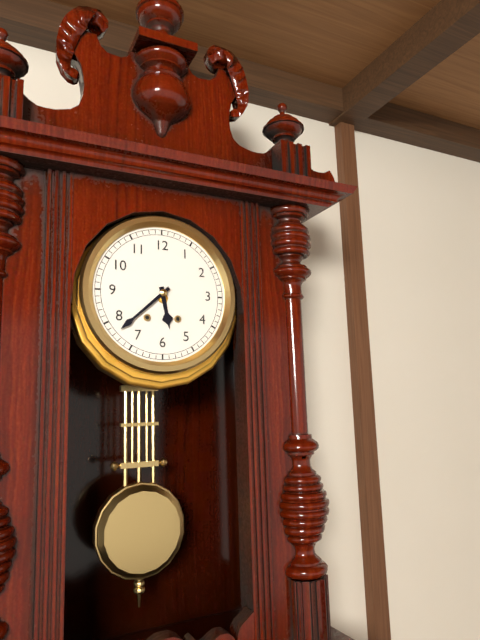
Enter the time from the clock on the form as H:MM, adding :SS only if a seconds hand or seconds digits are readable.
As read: 5:38
